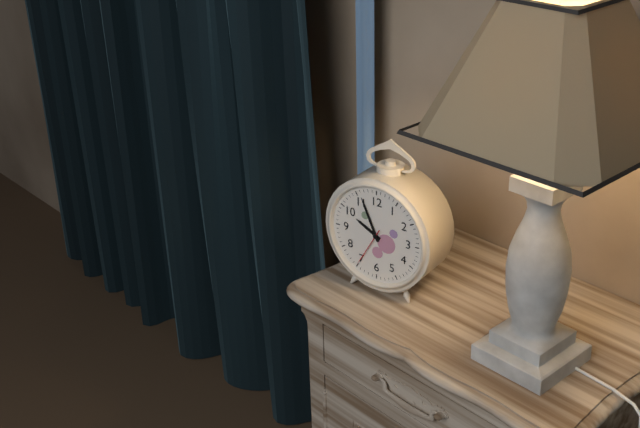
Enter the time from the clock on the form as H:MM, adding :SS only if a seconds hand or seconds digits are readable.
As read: 9:56
